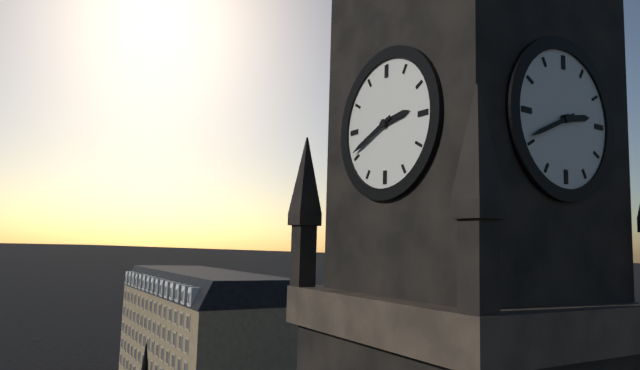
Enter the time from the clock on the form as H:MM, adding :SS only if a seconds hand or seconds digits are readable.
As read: 2:41
